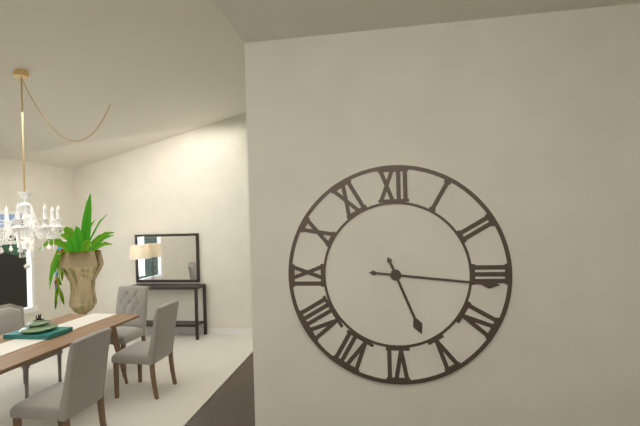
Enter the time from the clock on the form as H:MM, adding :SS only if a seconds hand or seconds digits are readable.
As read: 5:16
